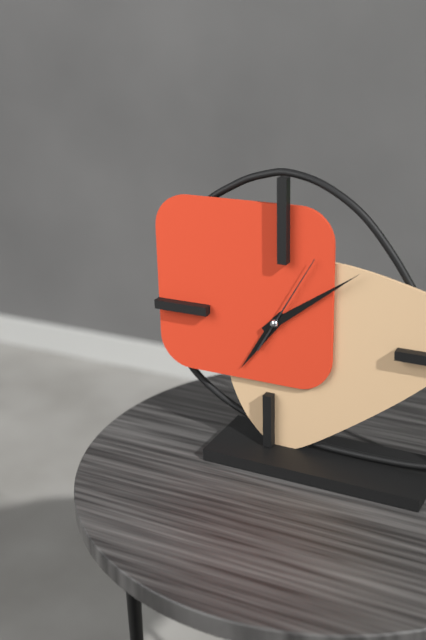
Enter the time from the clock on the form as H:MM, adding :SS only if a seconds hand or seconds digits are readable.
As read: 7:09:05
